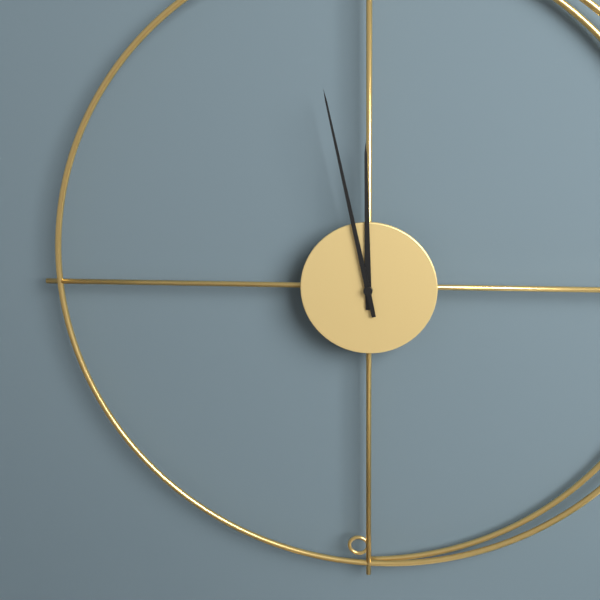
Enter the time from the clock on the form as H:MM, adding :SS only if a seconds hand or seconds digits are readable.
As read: 11:58
